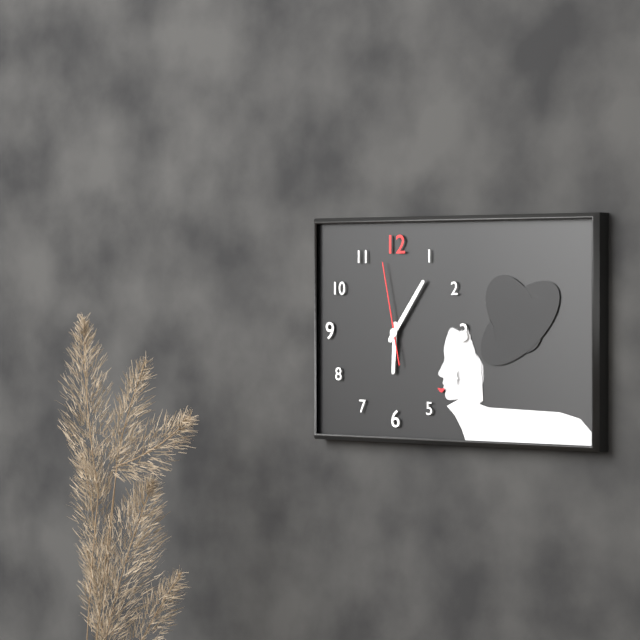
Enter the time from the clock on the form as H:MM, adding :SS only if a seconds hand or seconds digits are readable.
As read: 6:06:58
